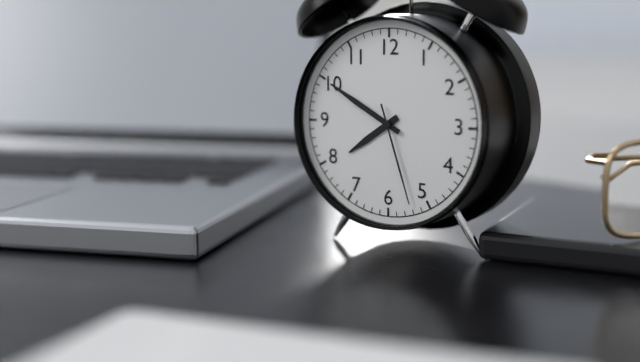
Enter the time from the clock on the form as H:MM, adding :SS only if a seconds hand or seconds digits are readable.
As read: 7:50:27
